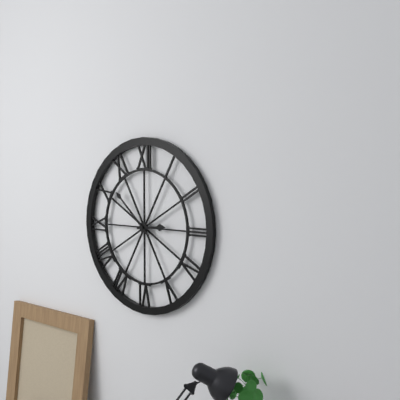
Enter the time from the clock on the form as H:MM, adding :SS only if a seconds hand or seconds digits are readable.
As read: 2:52
